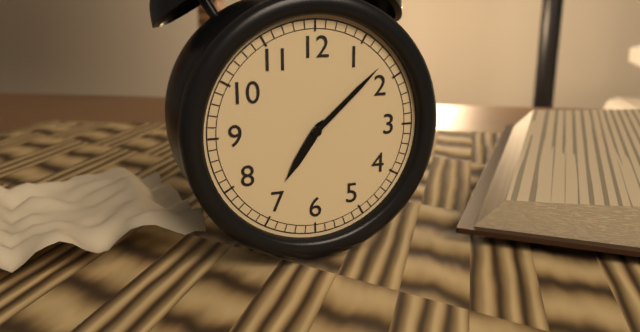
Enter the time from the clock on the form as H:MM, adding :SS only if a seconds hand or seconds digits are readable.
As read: 7:08
